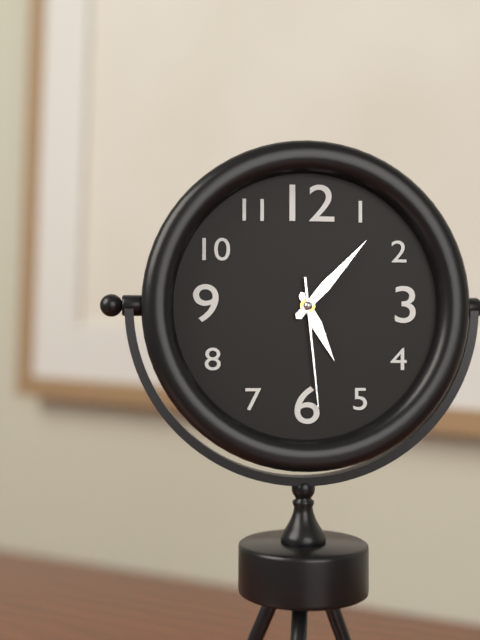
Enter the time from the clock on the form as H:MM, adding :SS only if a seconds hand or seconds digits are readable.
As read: 5:07:29
